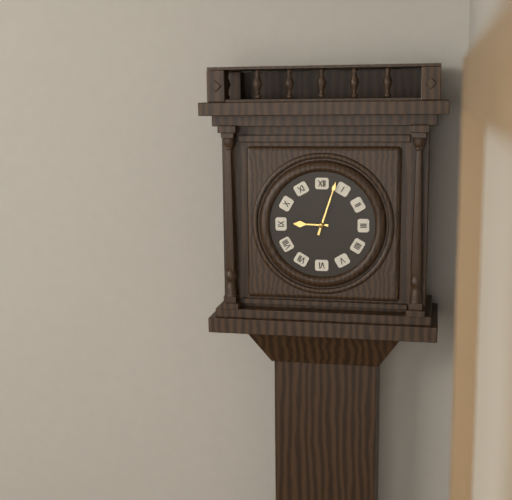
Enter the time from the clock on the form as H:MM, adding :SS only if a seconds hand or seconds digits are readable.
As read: 9:03
